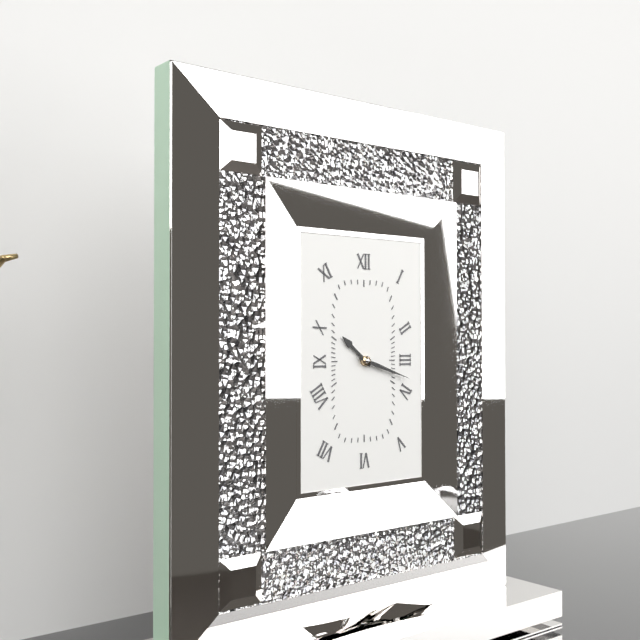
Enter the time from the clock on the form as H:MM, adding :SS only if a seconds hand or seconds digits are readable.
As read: 10:18
